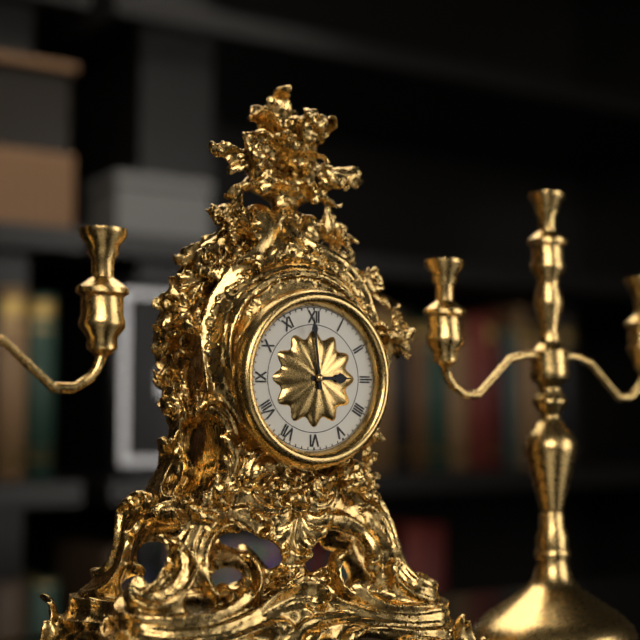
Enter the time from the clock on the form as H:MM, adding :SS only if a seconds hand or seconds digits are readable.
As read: 2:59
